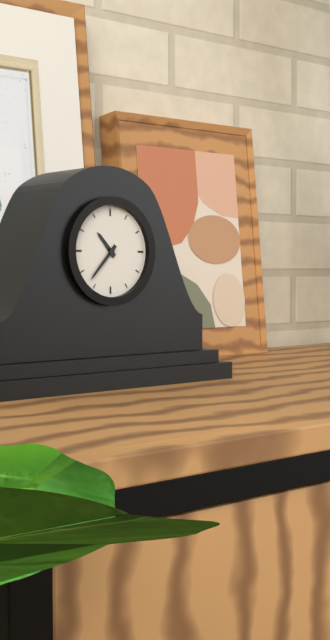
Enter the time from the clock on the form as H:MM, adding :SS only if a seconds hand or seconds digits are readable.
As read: 10:37
